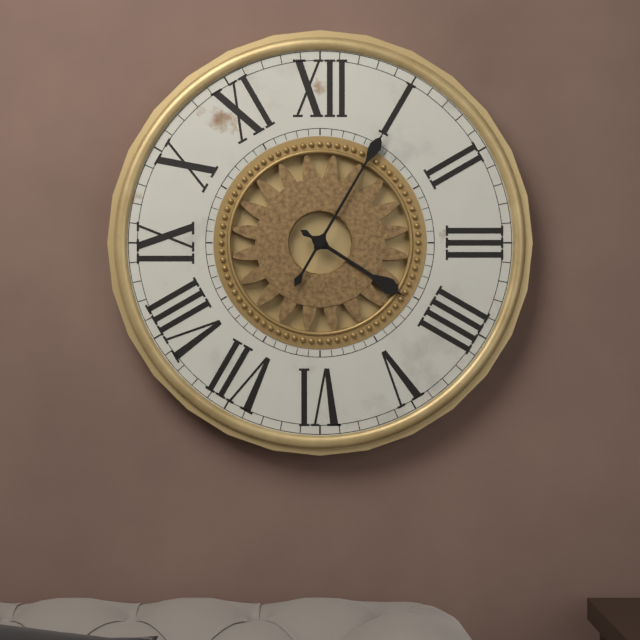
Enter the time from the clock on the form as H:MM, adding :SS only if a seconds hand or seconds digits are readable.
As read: 4:05
